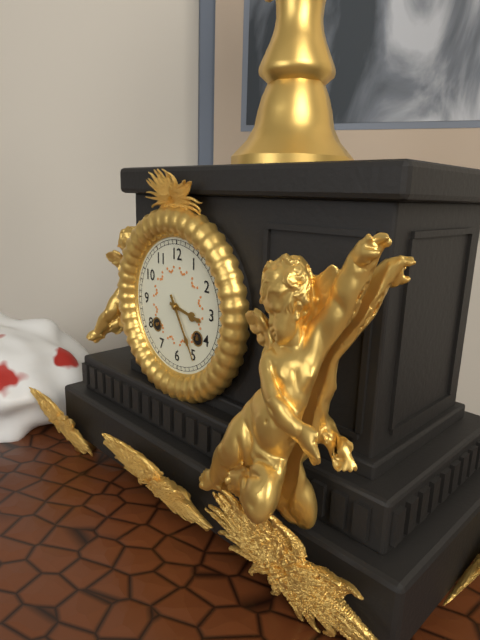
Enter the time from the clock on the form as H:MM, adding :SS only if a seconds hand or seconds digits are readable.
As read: 3:25
